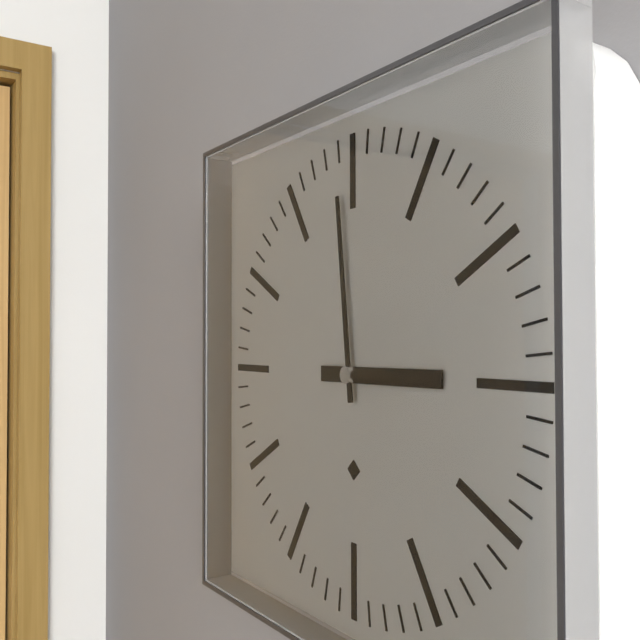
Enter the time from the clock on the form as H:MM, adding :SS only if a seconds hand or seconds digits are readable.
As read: 2:59
